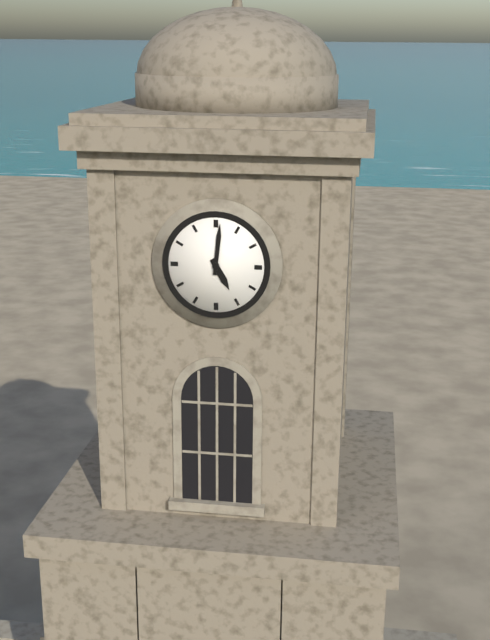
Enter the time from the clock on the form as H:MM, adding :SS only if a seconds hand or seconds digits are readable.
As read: 5:01
